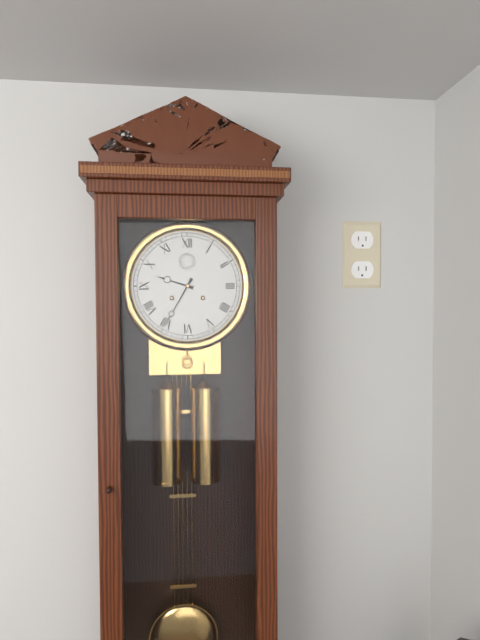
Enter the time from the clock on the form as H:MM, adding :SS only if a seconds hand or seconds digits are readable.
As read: 9:35
